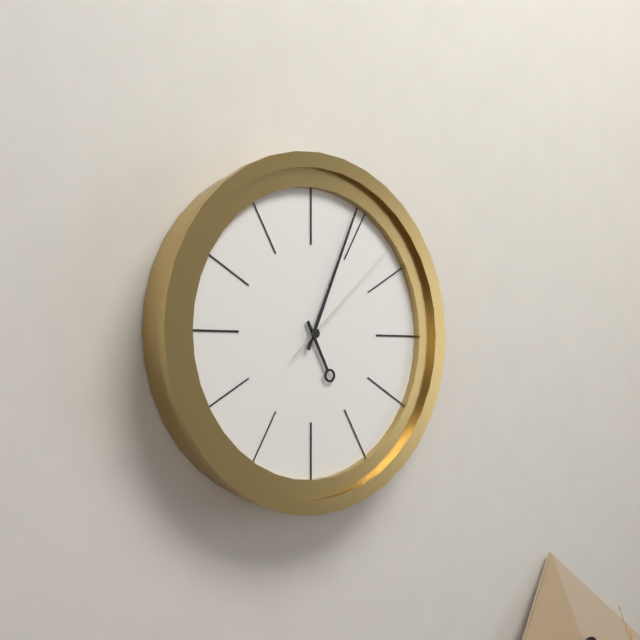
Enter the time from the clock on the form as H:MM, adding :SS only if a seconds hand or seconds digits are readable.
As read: 5:04:08
